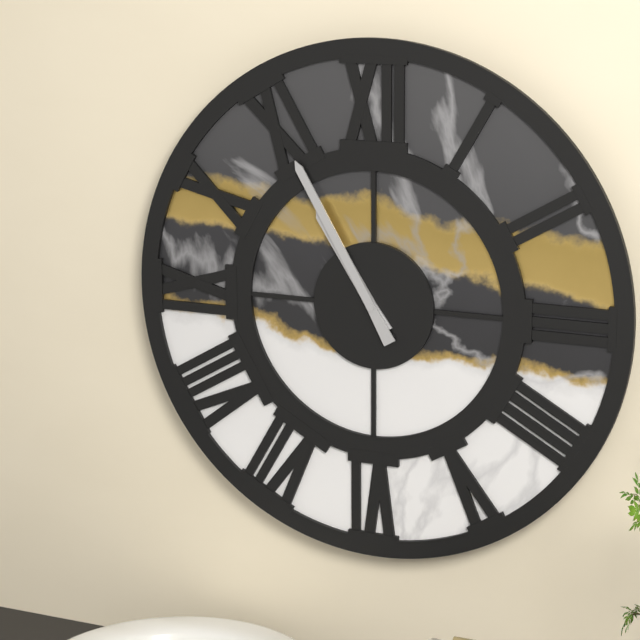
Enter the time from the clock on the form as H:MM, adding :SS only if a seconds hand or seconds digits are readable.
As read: 10:55
